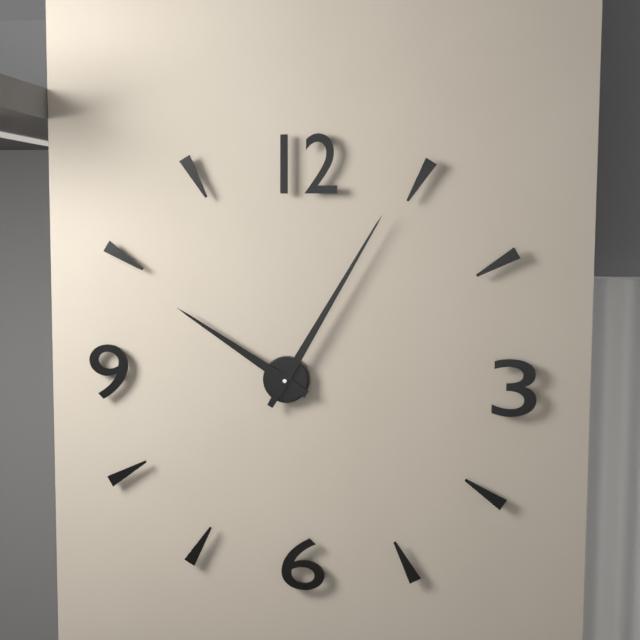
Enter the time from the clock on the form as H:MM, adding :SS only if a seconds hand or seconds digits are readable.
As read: 10:05
